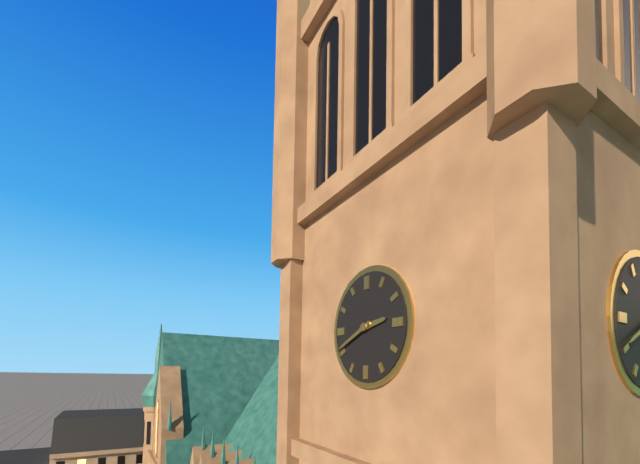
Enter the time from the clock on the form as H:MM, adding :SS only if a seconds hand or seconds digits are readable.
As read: 2:41
